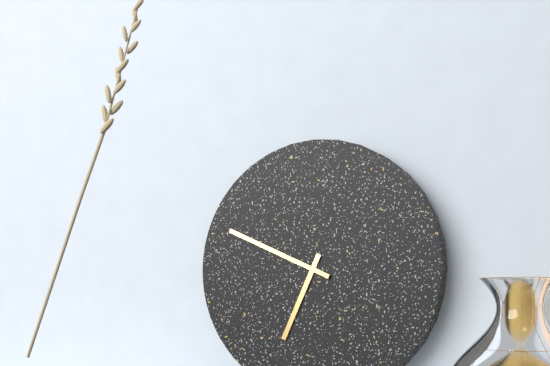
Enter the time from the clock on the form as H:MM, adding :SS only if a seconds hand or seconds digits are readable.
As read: 6:49
